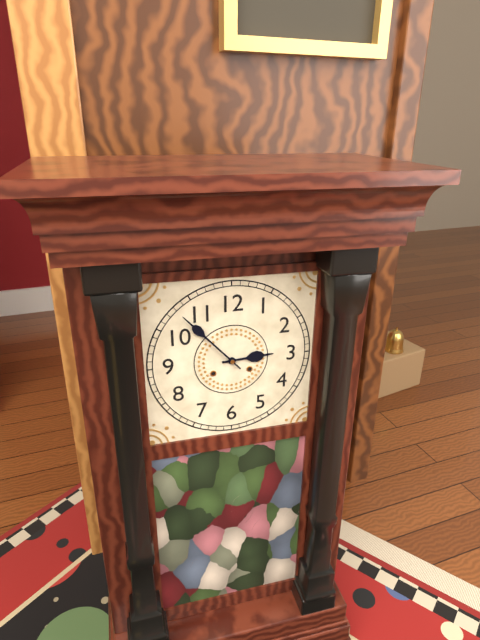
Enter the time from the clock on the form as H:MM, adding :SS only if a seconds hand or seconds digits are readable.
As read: 2:53
